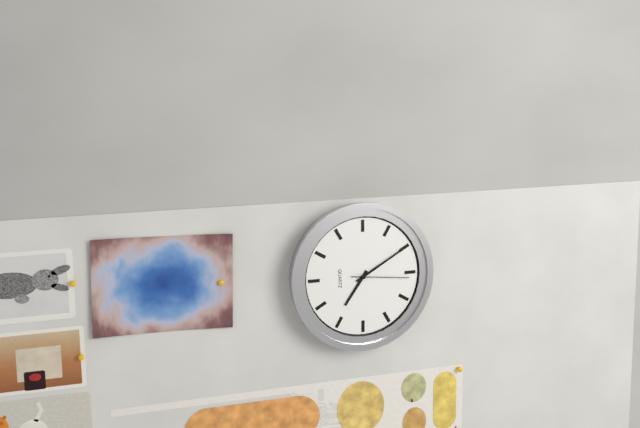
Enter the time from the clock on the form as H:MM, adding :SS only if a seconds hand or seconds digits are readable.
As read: 7:10:16
